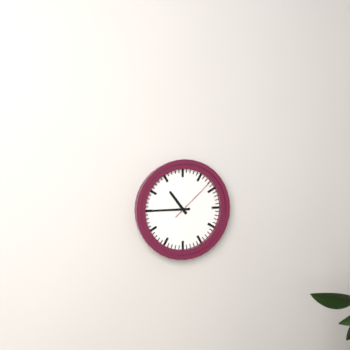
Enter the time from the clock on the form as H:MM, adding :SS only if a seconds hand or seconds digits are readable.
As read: 10:45
